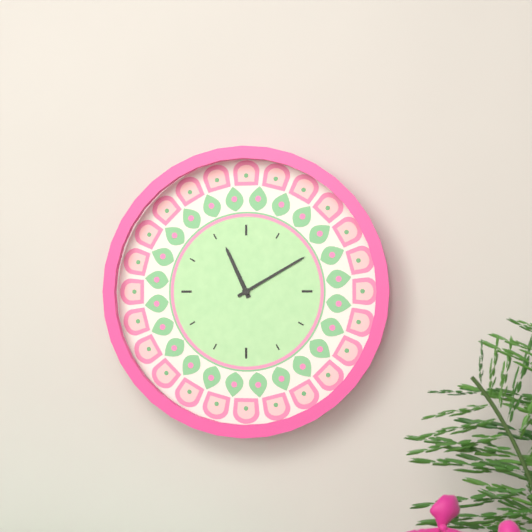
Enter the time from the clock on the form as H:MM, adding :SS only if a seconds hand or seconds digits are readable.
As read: 11:10
